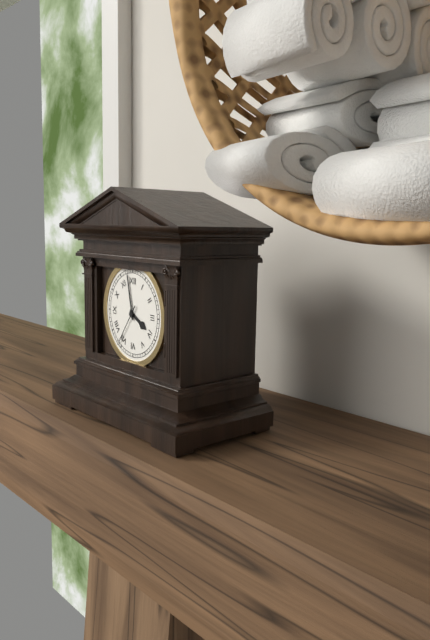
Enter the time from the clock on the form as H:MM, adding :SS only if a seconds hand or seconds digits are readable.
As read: 3:58
